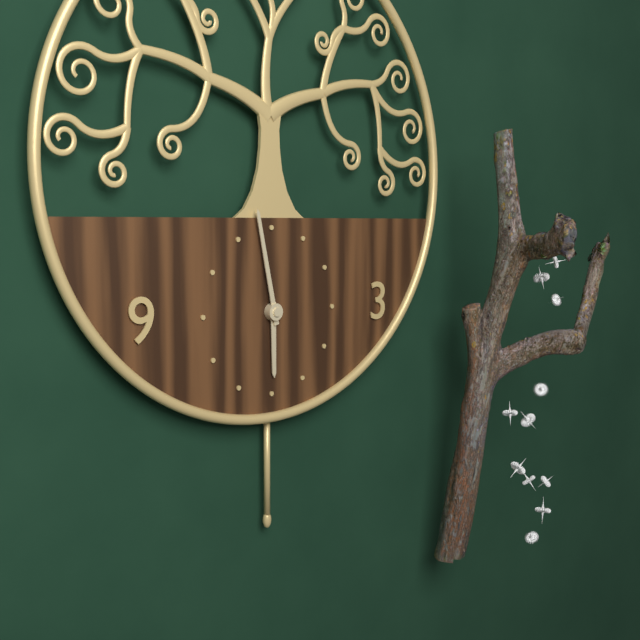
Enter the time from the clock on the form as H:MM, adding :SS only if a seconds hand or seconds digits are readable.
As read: 5:58
